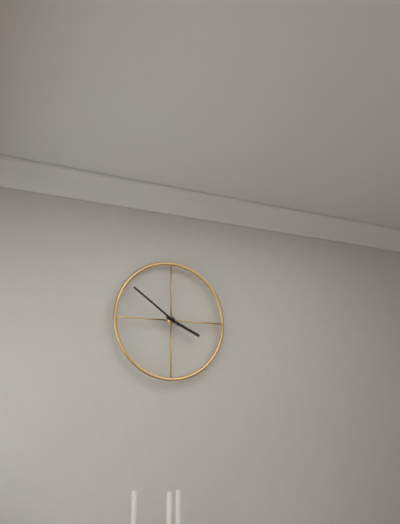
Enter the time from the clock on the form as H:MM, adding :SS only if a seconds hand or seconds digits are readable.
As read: 3:51
